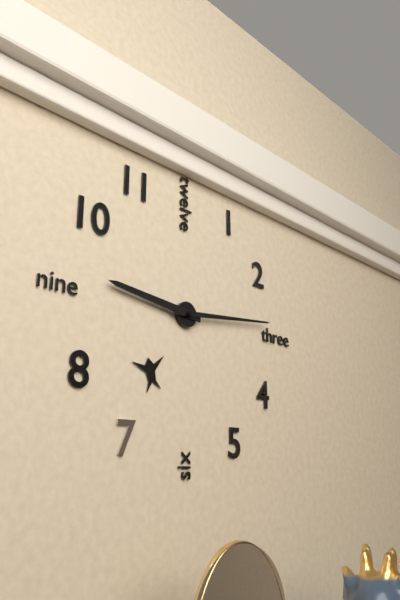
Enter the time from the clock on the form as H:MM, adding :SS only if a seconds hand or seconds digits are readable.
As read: 9:14
